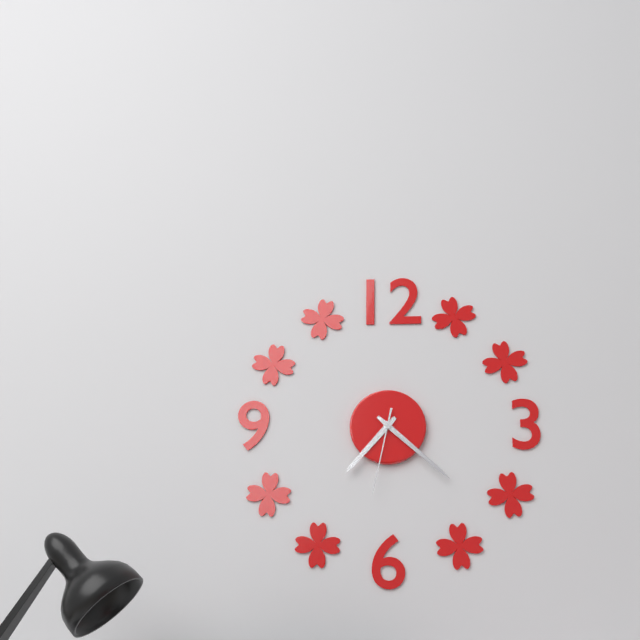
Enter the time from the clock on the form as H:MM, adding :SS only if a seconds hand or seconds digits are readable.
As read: 7:22:32
